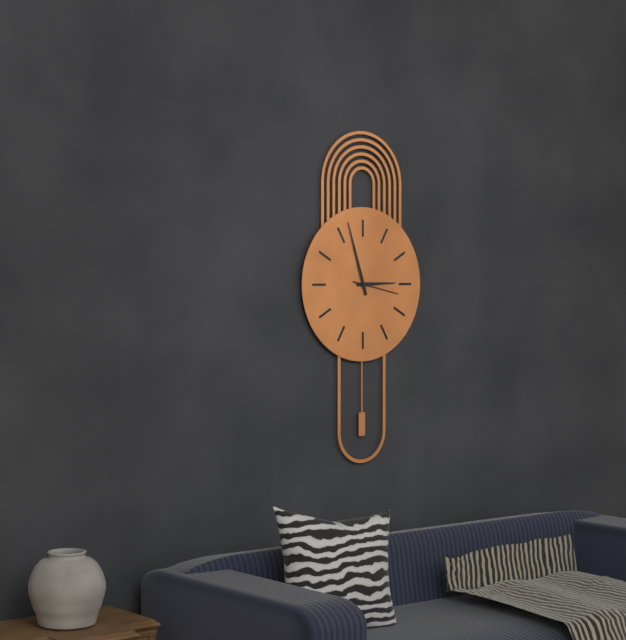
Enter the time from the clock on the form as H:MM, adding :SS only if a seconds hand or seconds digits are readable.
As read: 2:57:17
